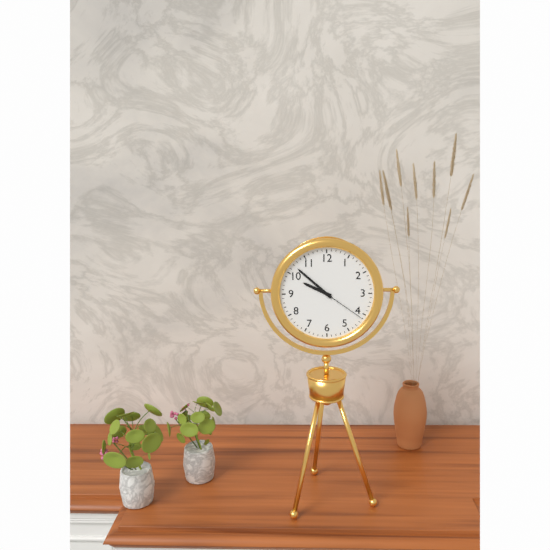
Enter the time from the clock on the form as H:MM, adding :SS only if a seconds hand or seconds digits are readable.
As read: 9:52:21
